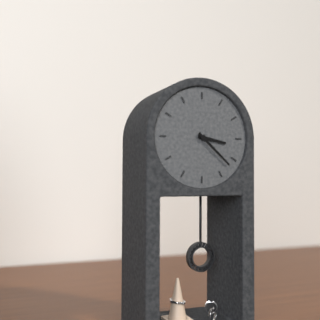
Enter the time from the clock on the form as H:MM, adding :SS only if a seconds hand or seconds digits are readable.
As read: 3:22
